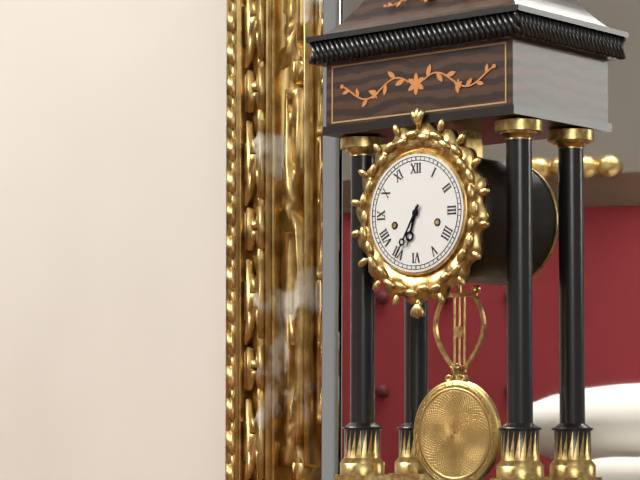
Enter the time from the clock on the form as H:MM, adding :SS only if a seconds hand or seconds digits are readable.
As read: 6:35
